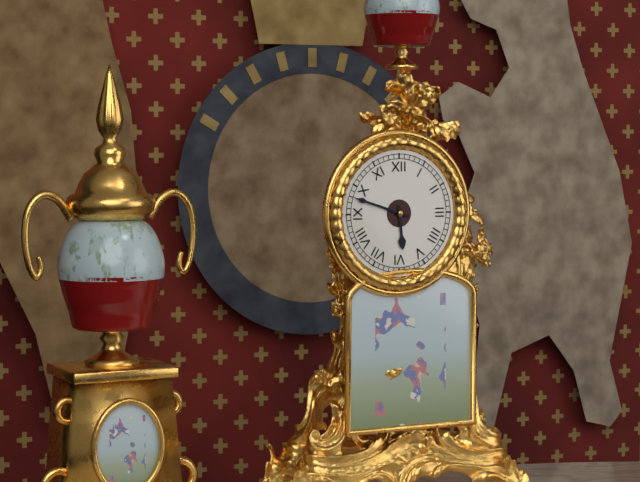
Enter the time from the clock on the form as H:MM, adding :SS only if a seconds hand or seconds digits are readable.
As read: 5:48
